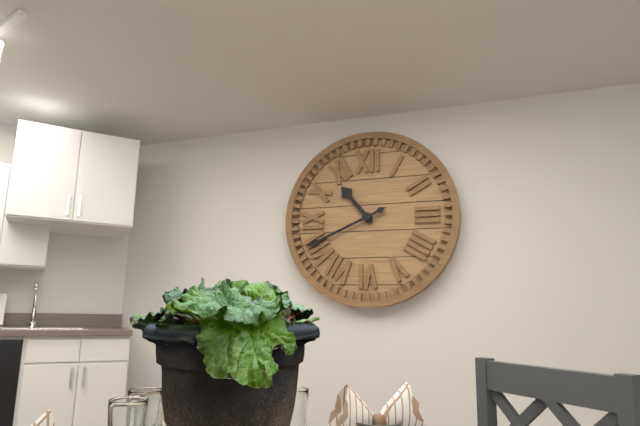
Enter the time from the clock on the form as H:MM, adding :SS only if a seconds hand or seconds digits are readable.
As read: 10:41
